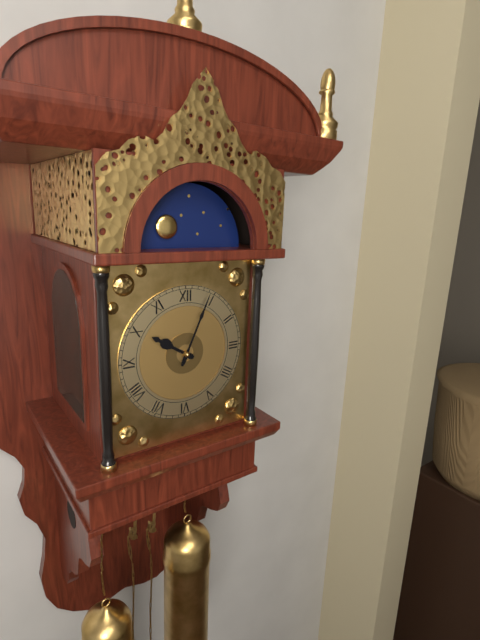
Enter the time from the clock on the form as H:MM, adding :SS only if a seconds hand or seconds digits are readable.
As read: 10:04
